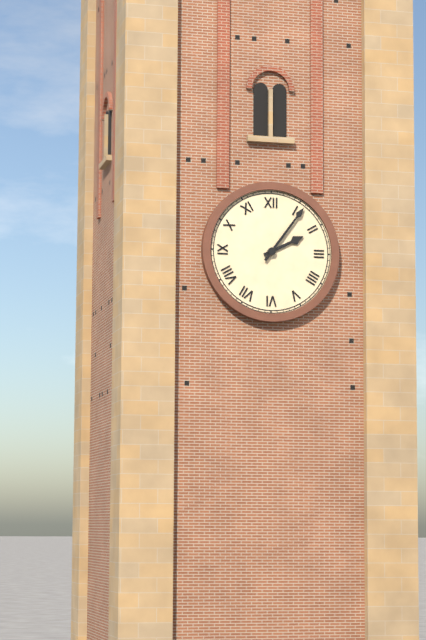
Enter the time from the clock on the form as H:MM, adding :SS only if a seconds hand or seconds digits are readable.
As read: 2:06
